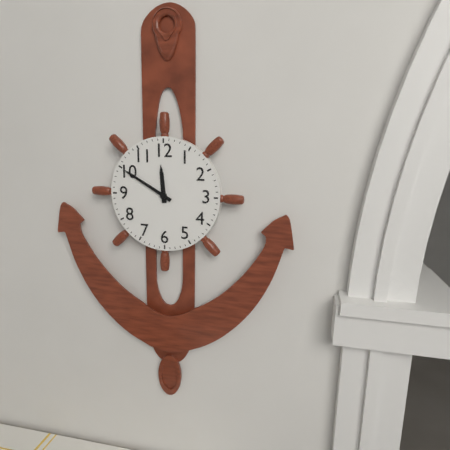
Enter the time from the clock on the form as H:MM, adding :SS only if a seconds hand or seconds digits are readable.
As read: 11:50
